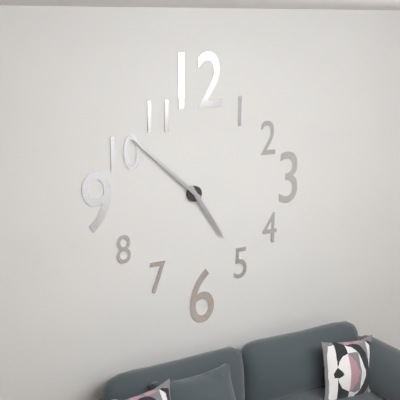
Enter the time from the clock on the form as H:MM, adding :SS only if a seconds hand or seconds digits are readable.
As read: 4:52
